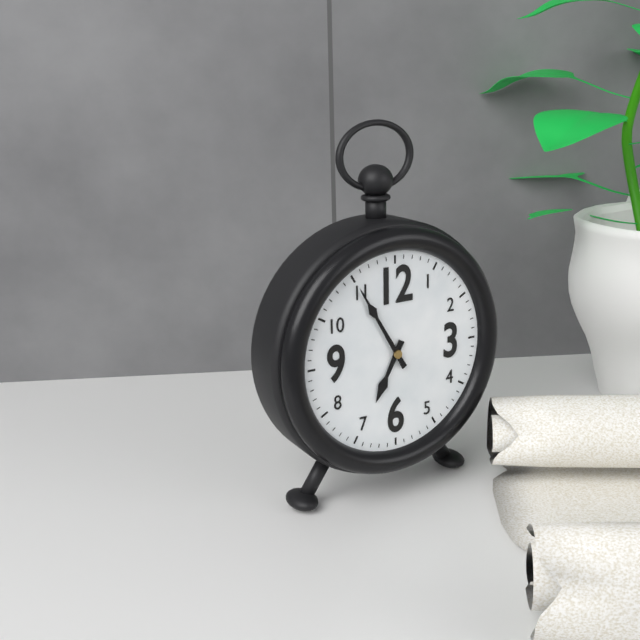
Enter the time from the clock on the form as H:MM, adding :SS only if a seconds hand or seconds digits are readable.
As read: 6:55
